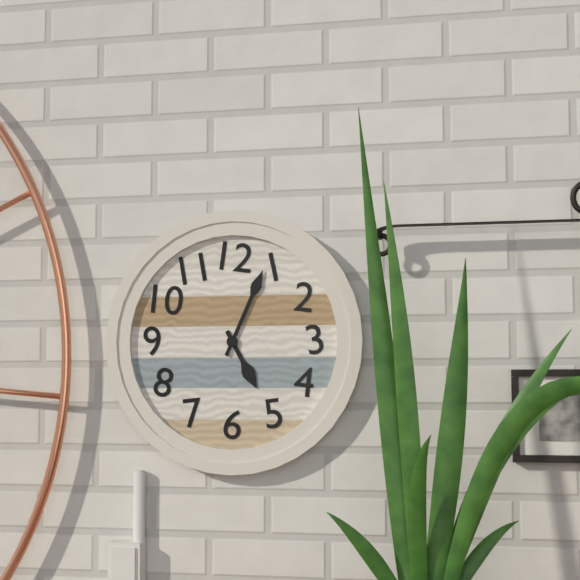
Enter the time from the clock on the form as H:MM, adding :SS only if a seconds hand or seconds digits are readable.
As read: 5:04
